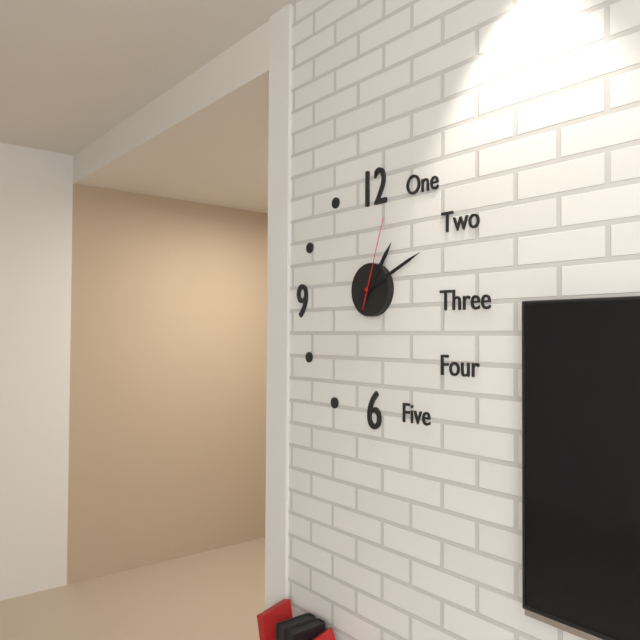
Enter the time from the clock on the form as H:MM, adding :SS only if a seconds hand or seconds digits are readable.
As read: 1:11:03
